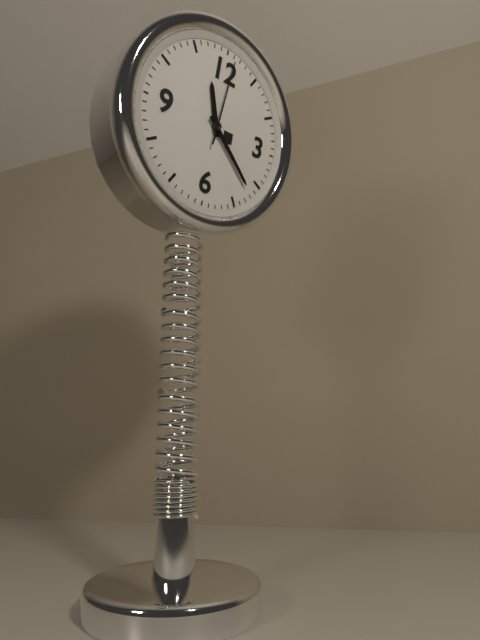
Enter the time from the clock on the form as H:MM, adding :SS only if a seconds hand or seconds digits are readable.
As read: 11:22:01
